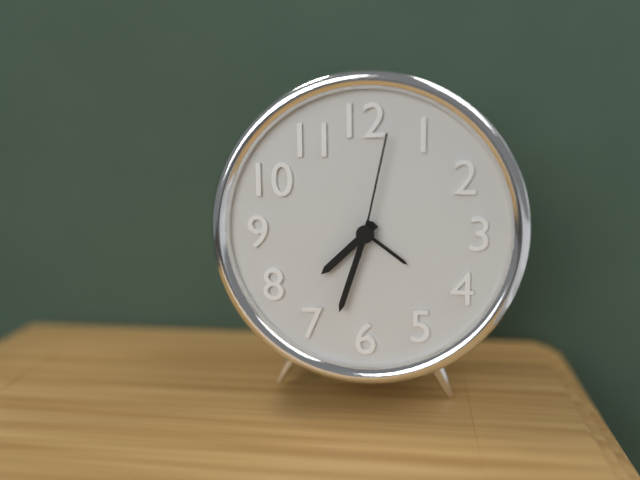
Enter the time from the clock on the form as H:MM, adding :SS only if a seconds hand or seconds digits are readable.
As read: 7:33:02
